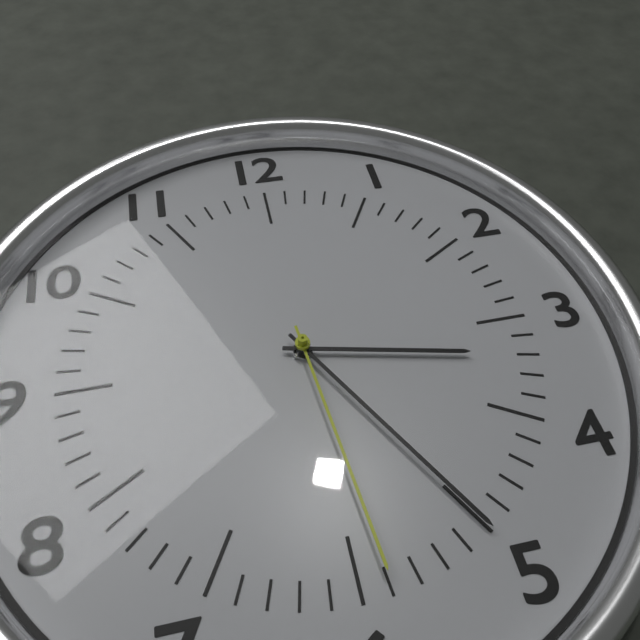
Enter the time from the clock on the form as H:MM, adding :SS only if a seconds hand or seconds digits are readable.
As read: 3:25:29
